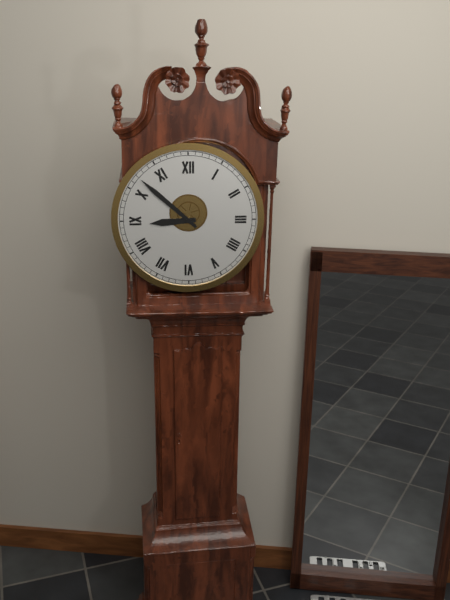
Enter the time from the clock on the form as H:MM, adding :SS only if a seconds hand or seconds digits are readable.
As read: 8:52
